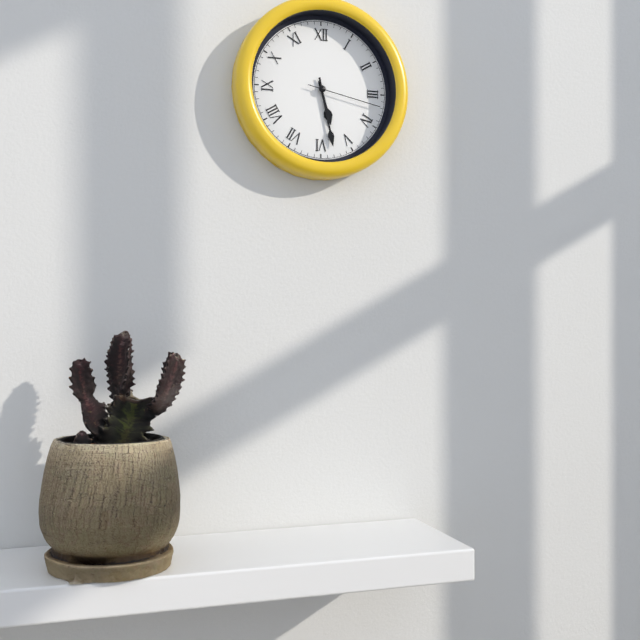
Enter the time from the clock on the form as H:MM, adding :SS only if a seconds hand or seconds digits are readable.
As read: 5:28:17
